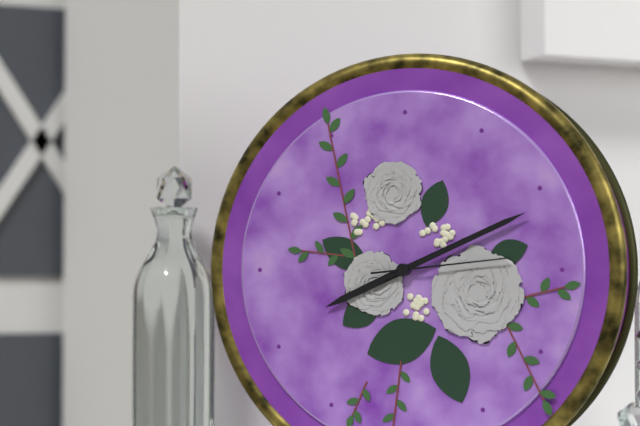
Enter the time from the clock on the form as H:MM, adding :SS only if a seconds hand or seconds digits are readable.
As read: 8:11:14
